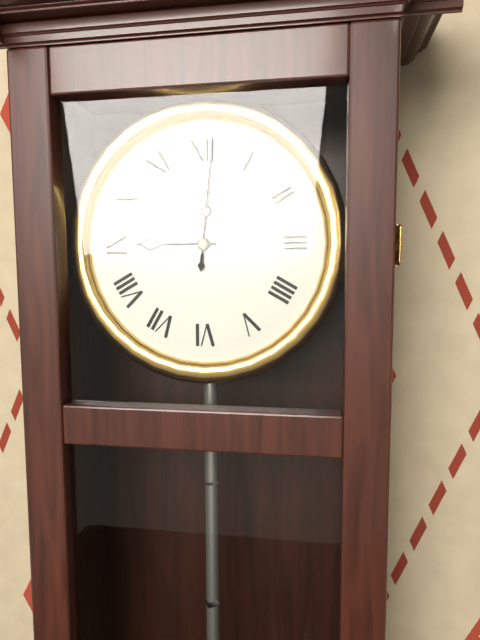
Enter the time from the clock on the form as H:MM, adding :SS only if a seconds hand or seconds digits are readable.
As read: 9:01
